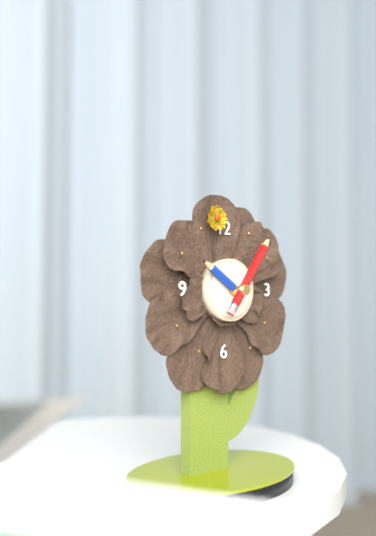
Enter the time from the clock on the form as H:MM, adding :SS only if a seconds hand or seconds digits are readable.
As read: 10:06
